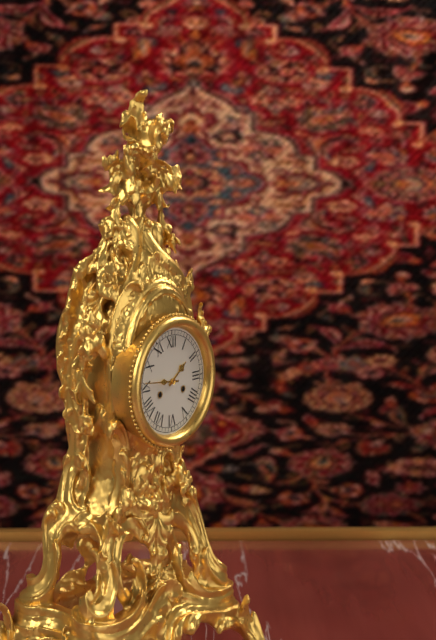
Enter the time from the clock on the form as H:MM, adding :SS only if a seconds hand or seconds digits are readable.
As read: 1:46
